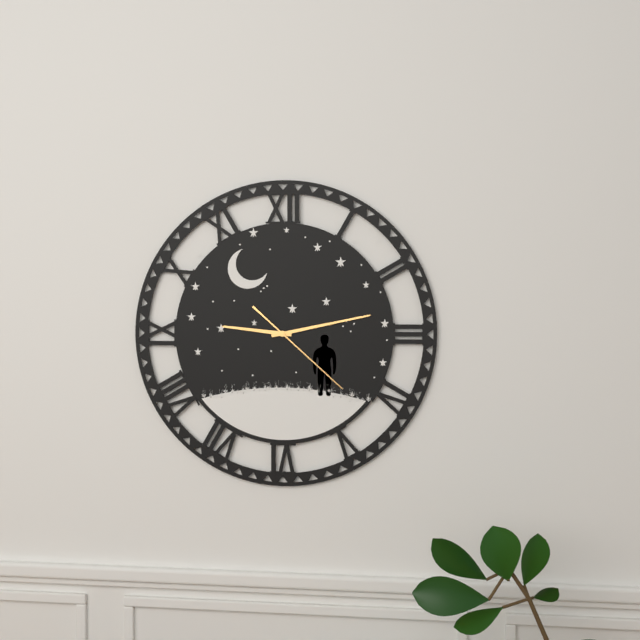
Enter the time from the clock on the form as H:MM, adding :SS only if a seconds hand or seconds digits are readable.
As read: 9:13:22
